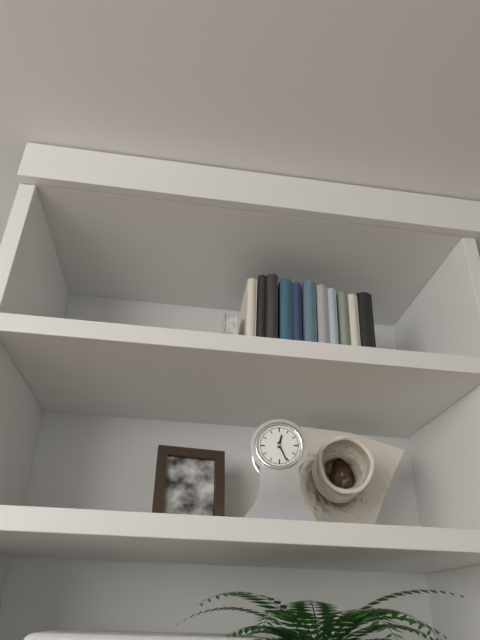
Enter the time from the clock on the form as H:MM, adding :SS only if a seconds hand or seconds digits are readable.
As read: 12:26
